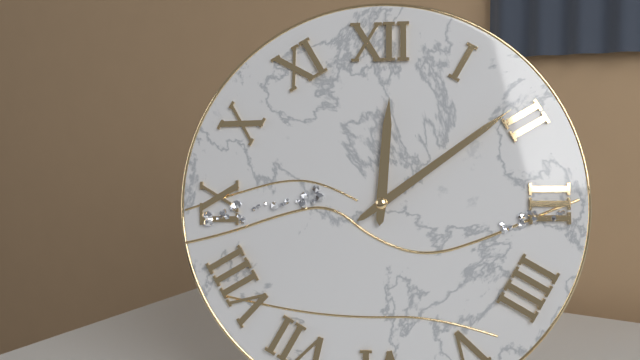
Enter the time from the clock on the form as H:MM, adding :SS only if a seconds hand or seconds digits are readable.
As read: 12:09
